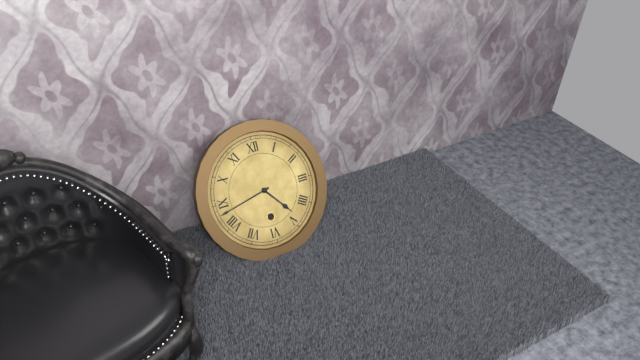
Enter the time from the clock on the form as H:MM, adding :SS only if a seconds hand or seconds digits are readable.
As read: 4:43
